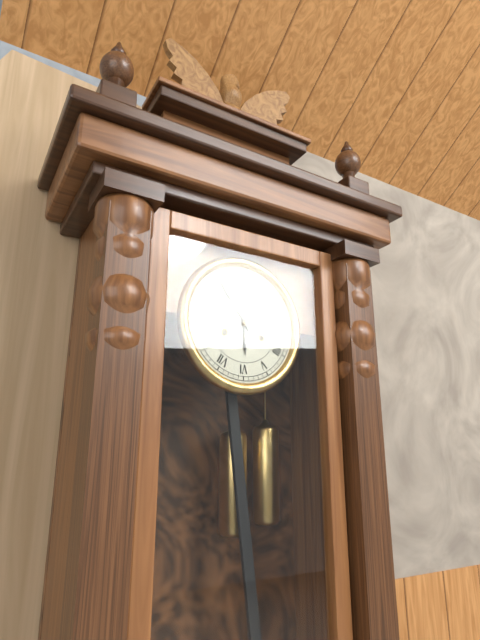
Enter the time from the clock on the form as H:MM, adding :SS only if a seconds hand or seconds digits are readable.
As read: 5:54
